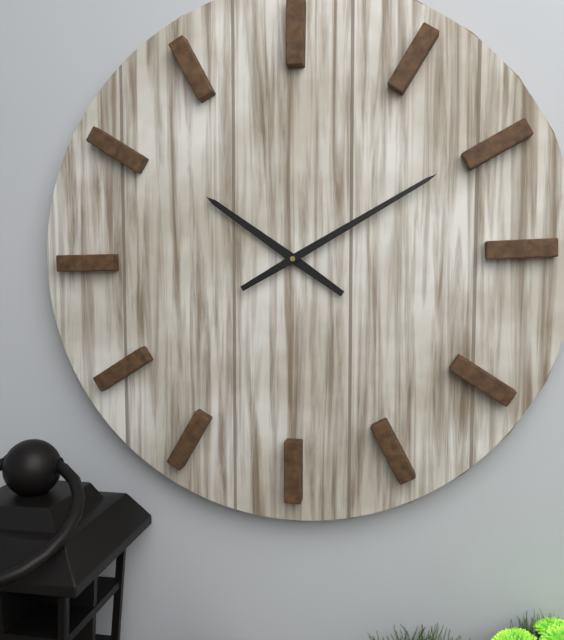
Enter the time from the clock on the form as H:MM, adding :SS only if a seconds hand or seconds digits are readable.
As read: 10:10
